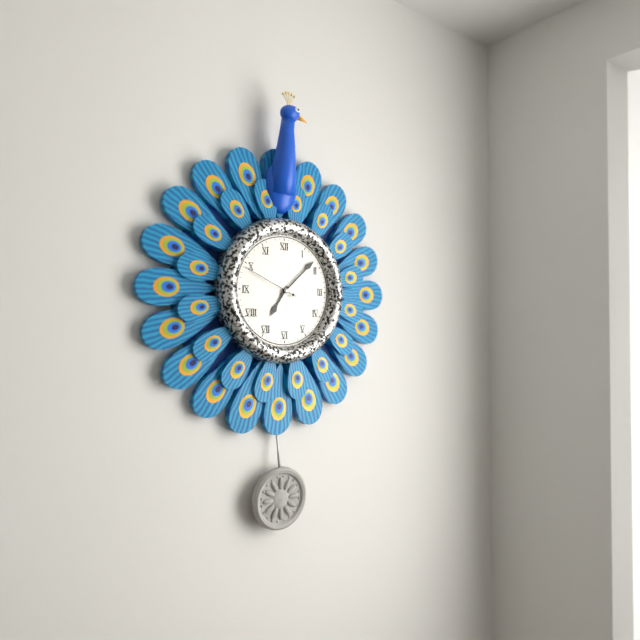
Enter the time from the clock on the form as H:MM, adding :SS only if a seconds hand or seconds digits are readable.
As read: 7:08:49
